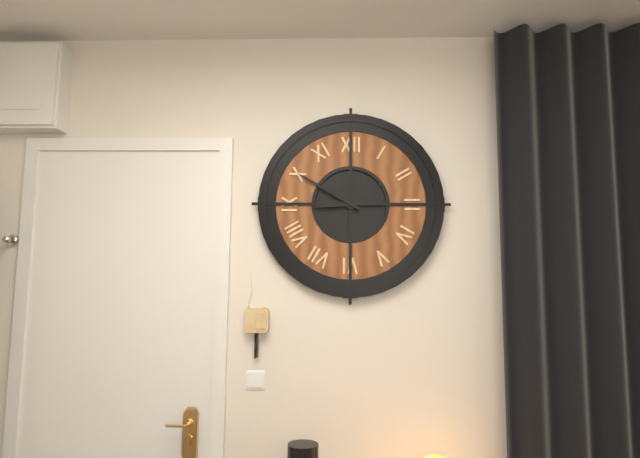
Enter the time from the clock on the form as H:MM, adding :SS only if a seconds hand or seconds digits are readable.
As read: 8:50
